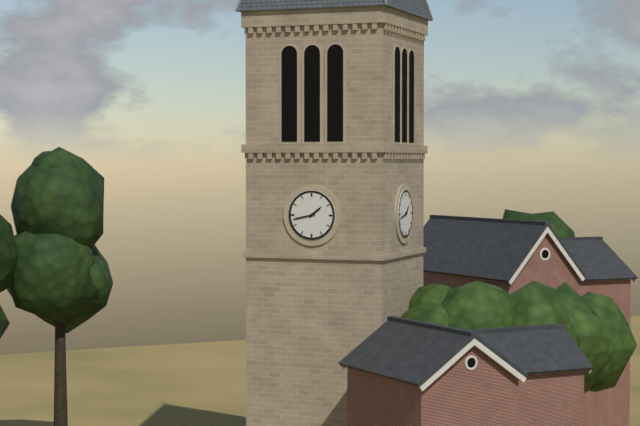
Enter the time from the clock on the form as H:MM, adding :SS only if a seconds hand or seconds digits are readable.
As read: 1:43
